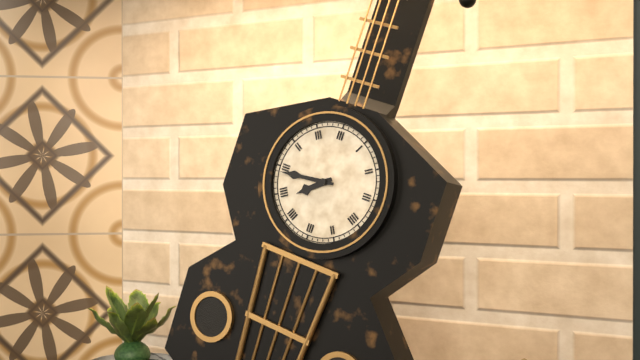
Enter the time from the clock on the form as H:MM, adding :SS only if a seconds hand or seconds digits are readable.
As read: 7:44
